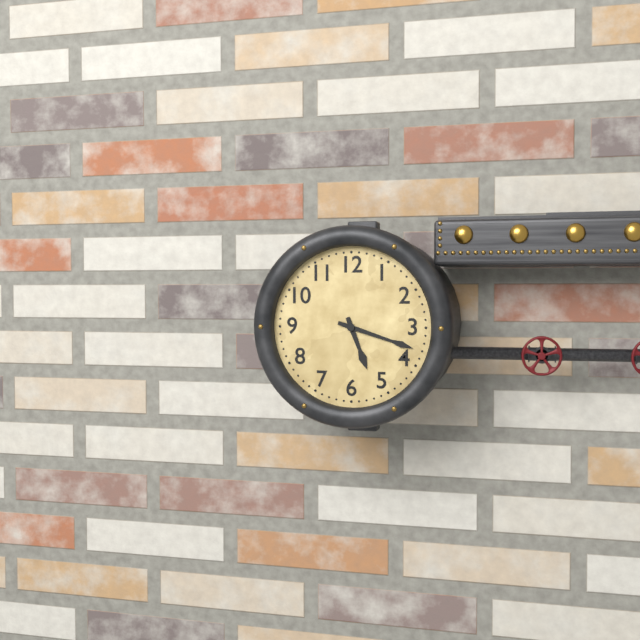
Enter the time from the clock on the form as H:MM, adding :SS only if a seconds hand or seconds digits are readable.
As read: 5:18
